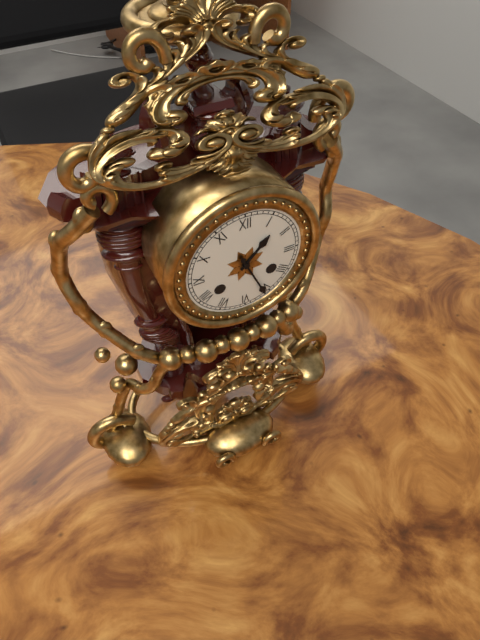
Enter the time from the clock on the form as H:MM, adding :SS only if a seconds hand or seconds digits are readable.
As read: 1:26
